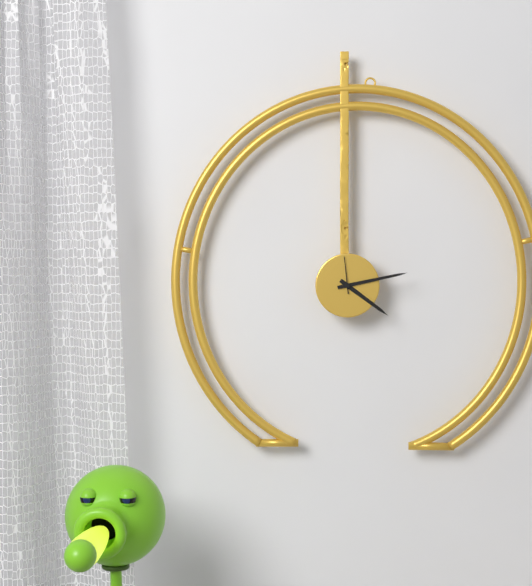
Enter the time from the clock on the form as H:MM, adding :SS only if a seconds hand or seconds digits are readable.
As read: 4:13
